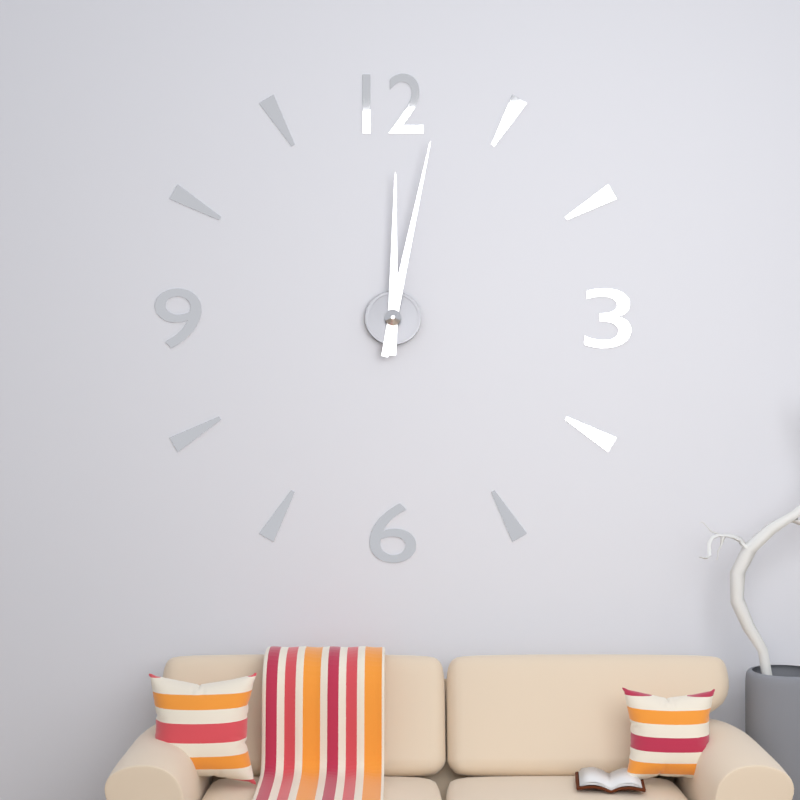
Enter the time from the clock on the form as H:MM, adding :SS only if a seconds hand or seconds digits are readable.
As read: 12:02
